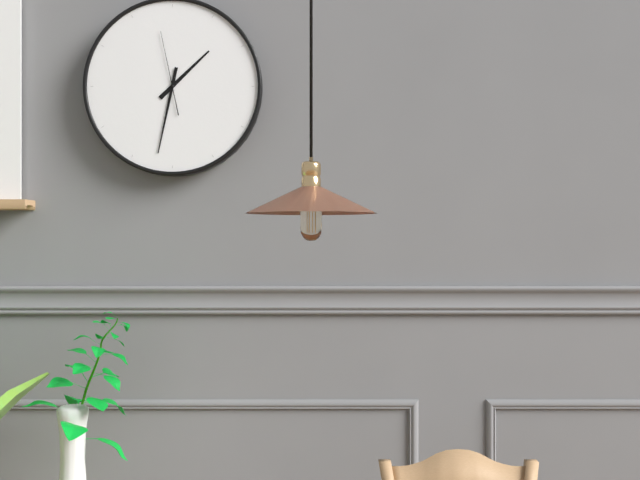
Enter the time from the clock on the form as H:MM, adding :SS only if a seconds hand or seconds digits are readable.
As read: 1:32:58
